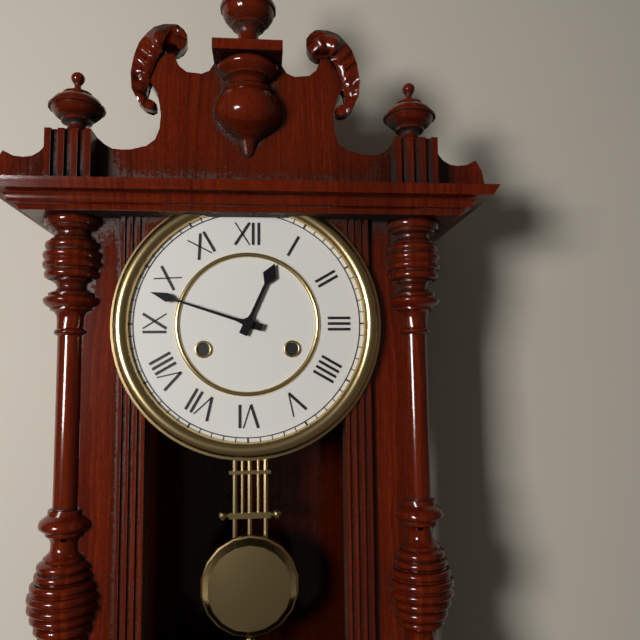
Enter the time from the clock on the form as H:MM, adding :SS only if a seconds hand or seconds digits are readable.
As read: 12:48
